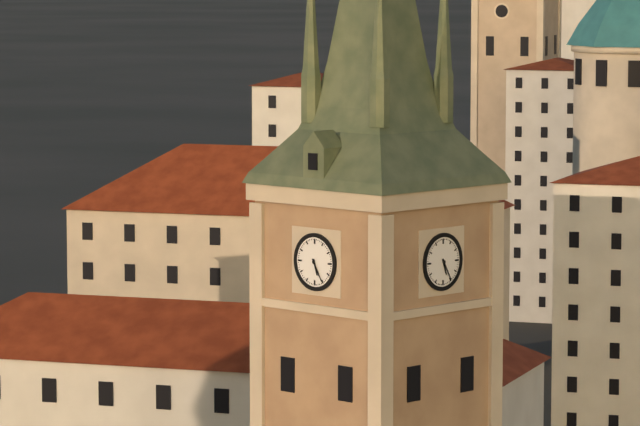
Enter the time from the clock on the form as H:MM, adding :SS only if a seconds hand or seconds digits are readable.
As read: 5:25
